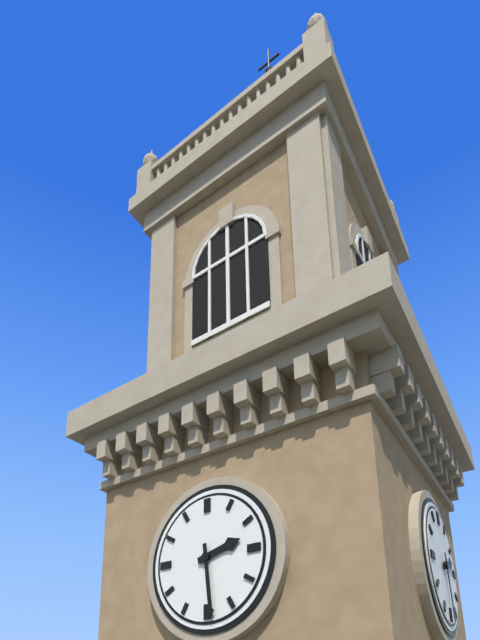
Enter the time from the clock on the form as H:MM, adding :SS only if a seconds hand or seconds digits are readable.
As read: 2:29
